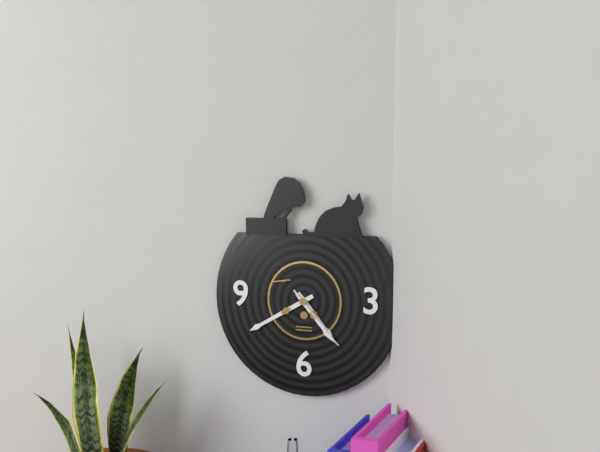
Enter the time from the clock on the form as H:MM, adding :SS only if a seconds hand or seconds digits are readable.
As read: 4:40:23
